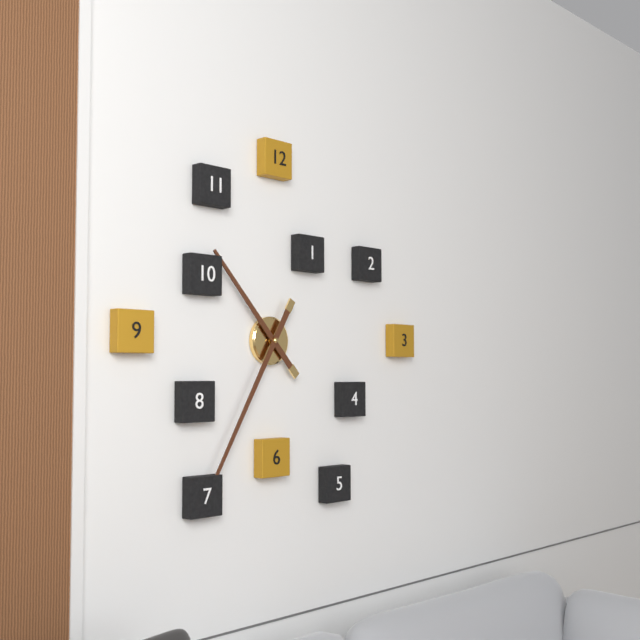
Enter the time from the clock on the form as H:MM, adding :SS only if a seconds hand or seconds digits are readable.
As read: 10:35
